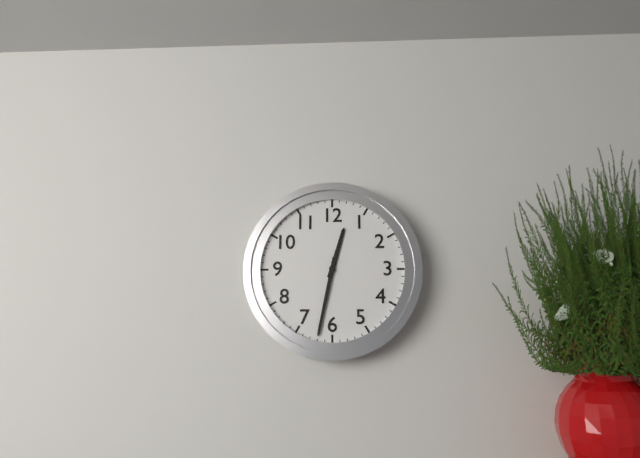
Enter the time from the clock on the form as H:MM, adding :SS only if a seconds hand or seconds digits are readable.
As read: 12:32
